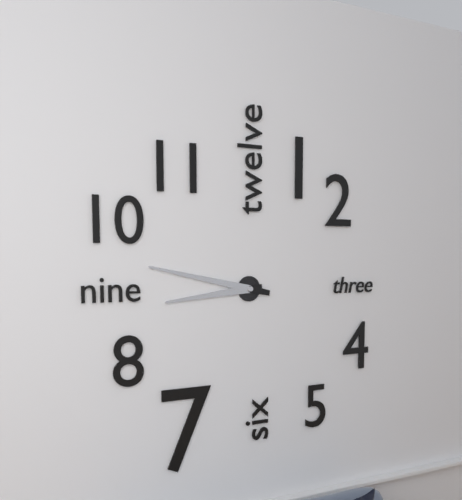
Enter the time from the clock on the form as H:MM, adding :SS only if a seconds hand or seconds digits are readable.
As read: 8:47
